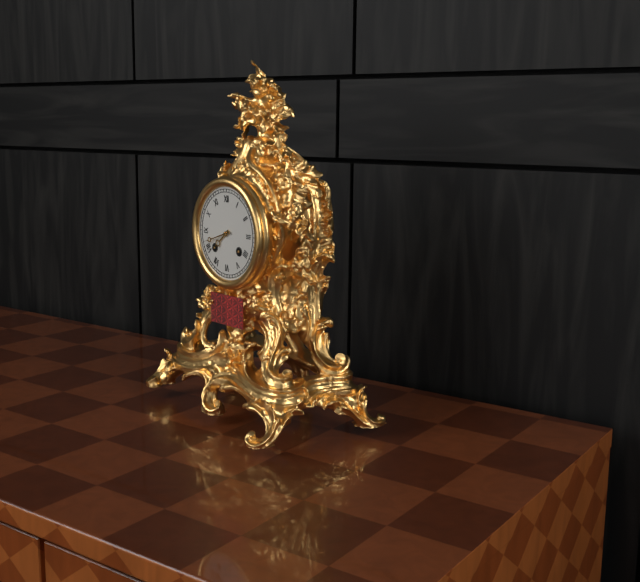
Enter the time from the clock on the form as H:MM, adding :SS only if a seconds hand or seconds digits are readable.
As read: 7:42
